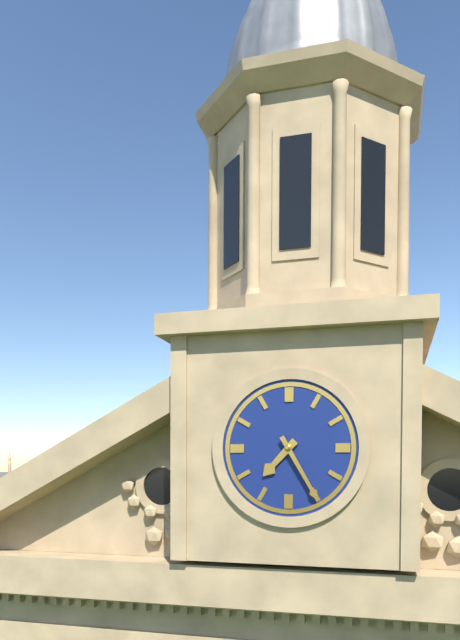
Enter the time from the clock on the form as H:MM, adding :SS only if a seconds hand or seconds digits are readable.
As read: 7:25
